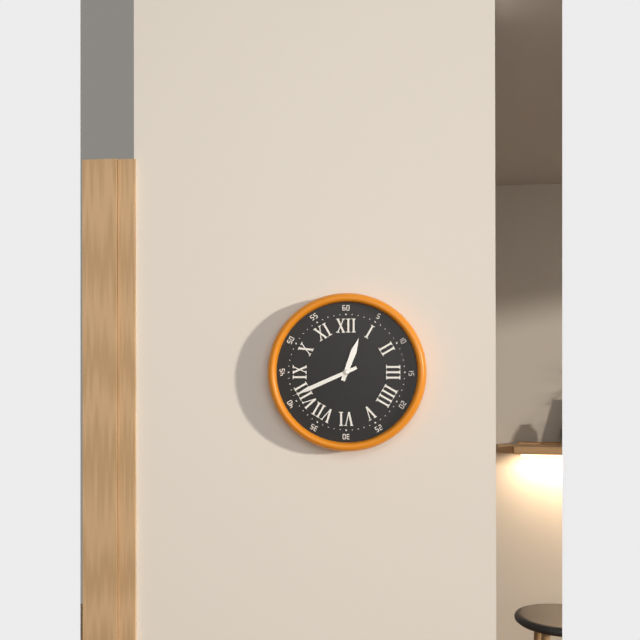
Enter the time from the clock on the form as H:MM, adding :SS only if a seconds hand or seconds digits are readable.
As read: 12:41
